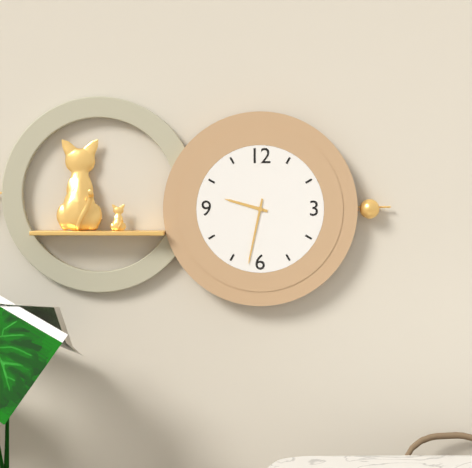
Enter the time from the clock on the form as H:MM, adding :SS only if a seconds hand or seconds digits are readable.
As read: 9:32
